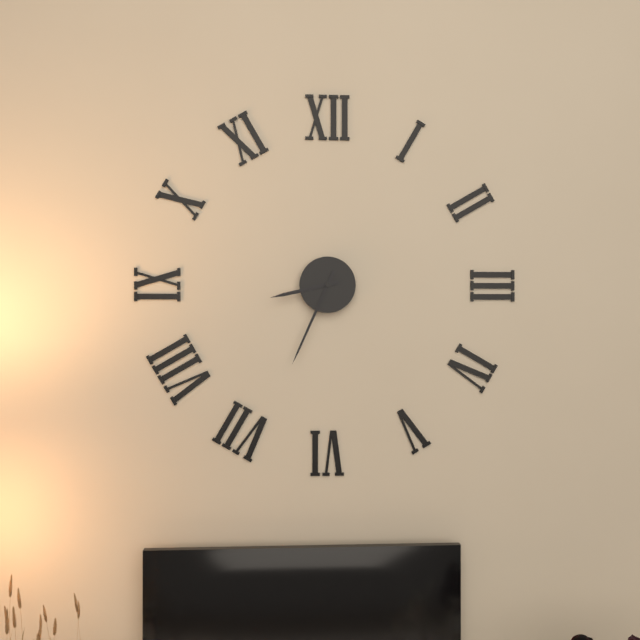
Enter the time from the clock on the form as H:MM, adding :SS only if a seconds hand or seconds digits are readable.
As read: 8:34
